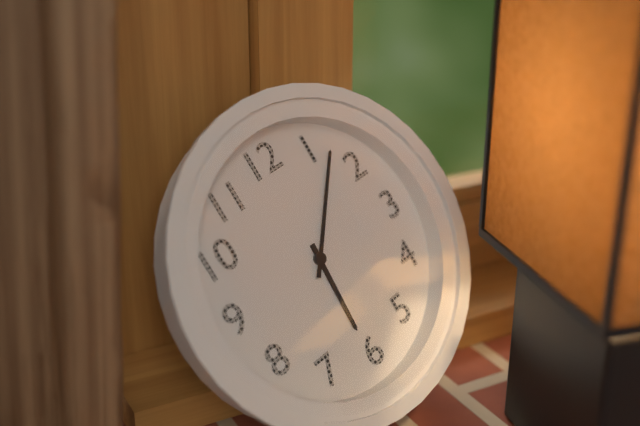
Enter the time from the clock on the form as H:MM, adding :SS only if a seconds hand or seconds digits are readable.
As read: 6:07
